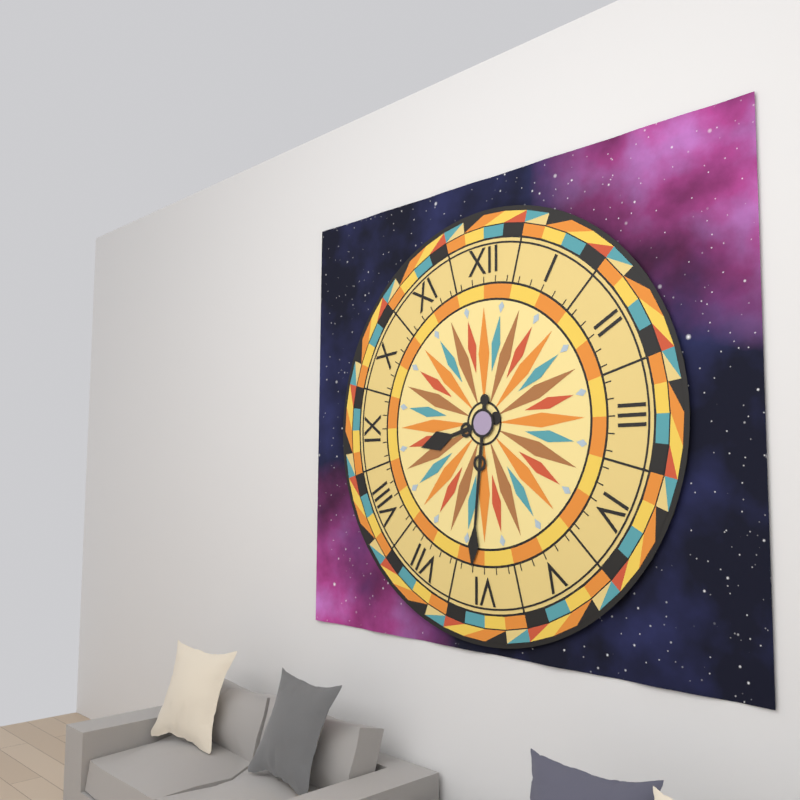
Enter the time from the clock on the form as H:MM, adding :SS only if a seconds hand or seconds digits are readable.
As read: 8:31
